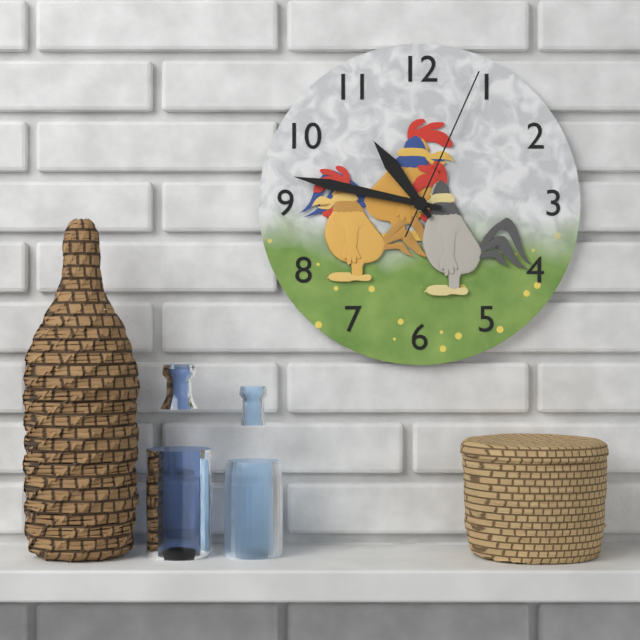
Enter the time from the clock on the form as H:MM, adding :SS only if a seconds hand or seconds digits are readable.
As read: 10:47:04
